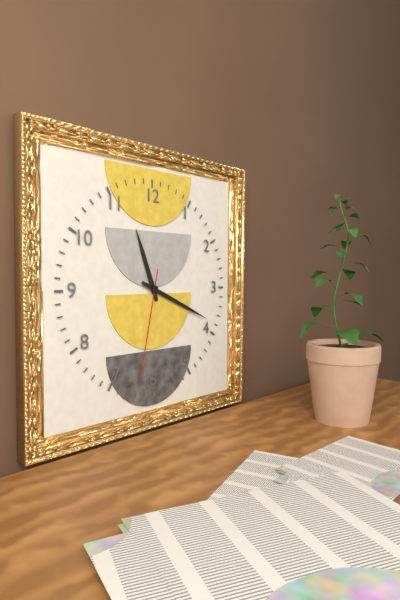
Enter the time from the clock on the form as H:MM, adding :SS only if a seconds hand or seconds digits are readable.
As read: 11:19:32
